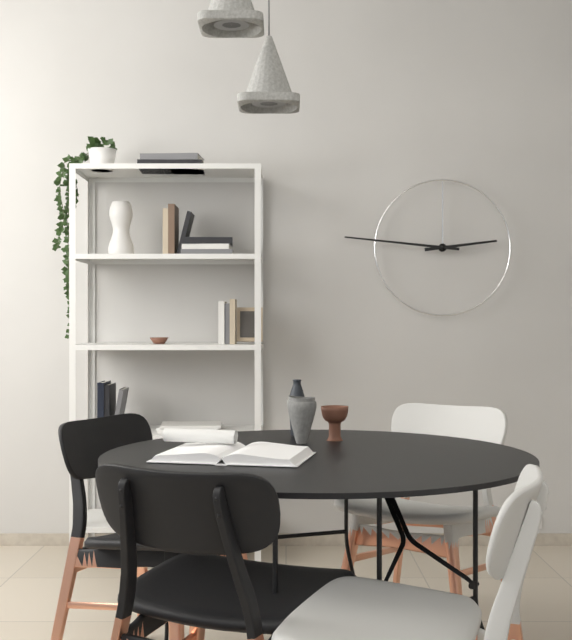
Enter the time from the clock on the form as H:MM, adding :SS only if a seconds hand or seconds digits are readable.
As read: 2:46
